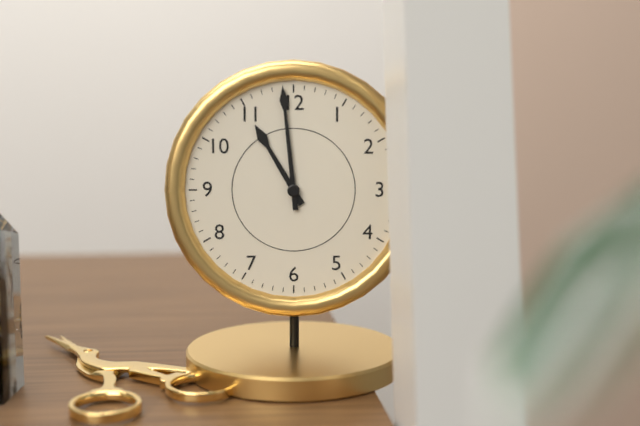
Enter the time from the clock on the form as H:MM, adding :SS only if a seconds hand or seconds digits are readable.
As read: 10:59
